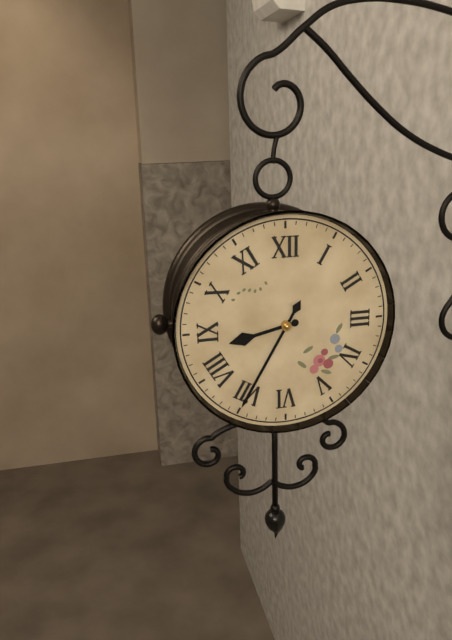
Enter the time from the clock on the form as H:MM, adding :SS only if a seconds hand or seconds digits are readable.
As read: 8:35
